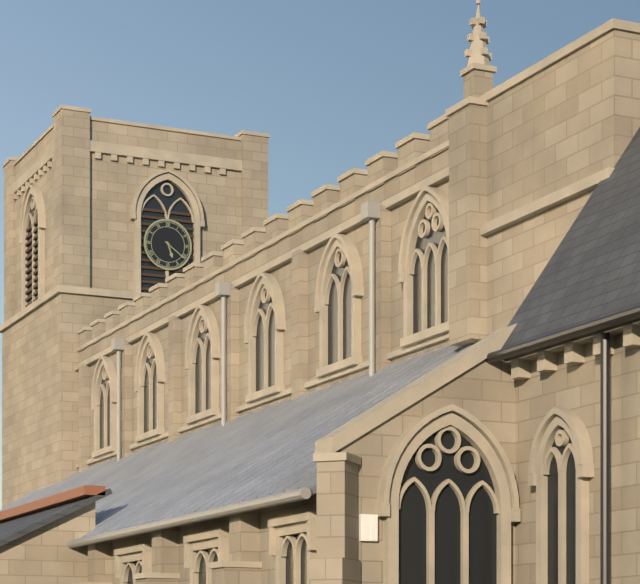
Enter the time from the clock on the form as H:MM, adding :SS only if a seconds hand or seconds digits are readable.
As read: 5:21
